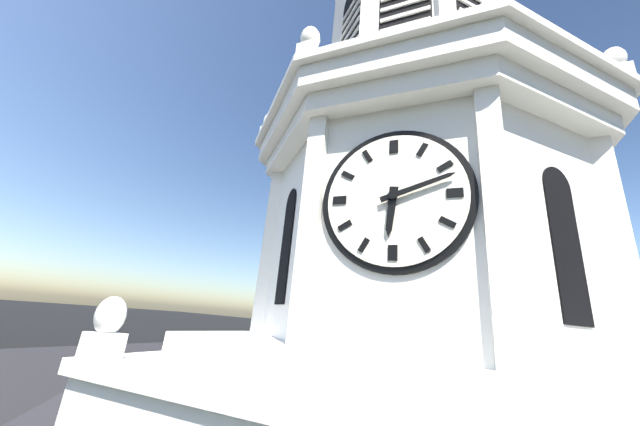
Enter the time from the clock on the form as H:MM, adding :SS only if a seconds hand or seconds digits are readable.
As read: 6:12
